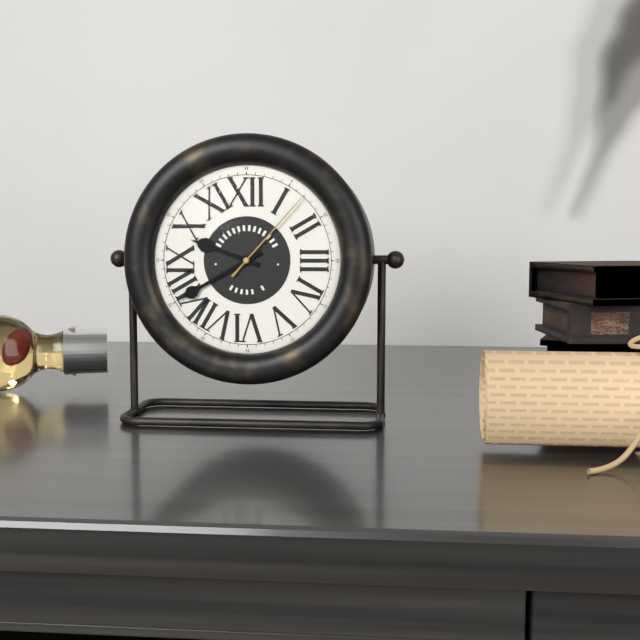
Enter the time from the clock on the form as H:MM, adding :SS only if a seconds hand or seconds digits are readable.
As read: 9:40:07
